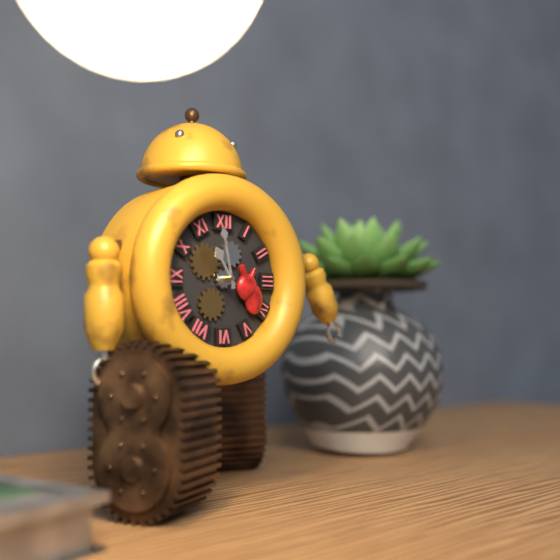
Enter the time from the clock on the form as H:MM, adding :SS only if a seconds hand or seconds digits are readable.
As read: 10:58
